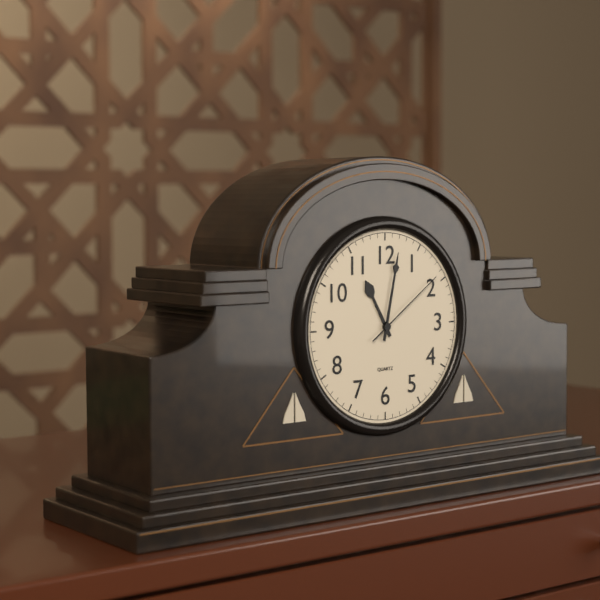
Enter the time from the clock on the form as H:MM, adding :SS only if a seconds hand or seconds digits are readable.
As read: 11:02:09
